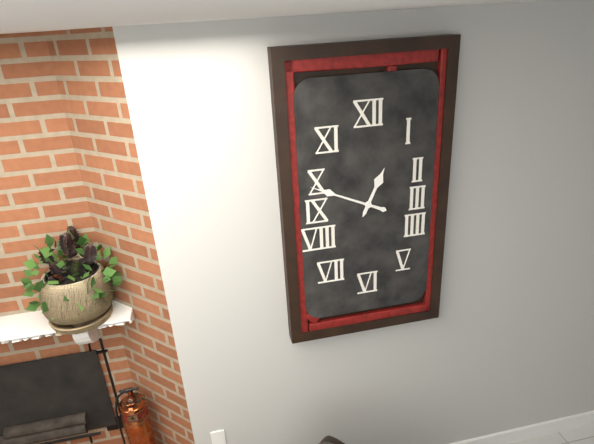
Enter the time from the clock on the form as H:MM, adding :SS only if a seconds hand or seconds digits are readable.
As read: 12:49
